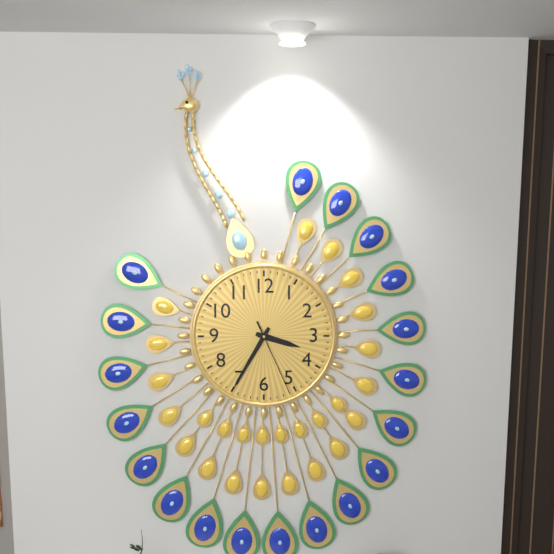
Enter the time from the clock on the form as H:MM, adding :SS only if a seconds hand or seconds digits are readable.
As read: 3:35:26
